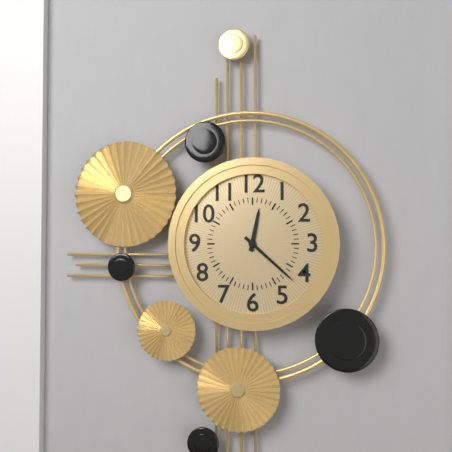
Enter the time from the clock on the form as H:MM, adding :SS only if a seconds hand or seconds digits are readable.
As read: 12:22
